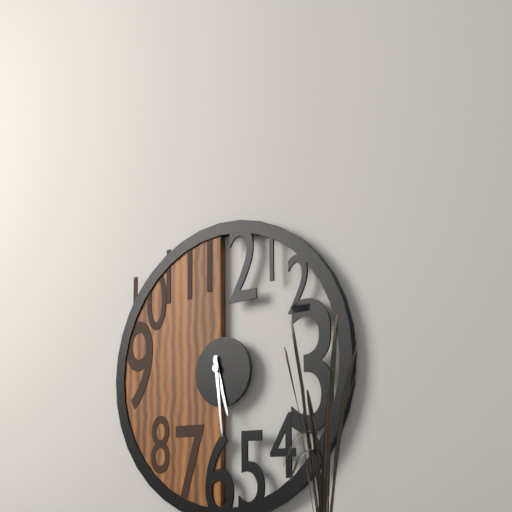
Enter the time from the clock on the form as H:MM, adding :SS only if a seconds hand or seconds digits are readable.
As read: 5:29
